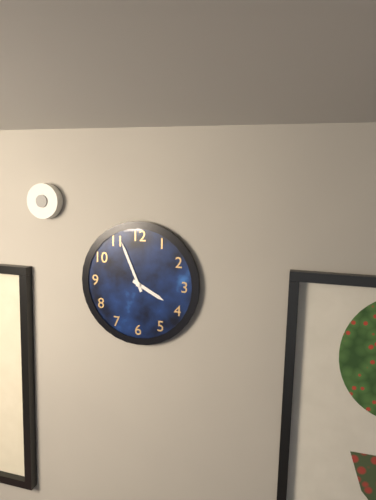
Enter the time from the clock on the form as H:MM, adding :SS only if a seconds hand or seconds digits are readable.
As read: 3:56
